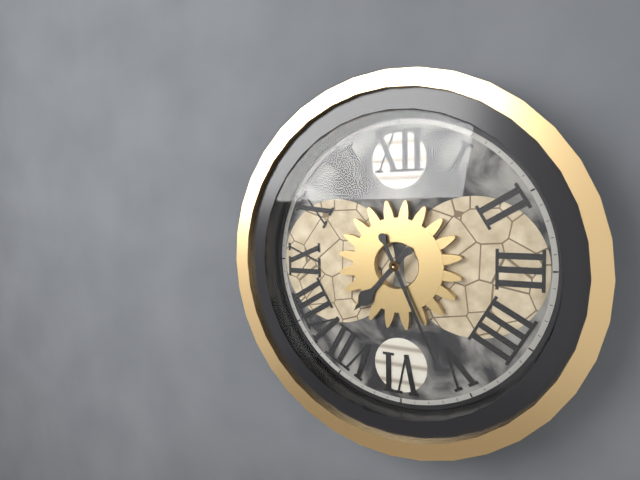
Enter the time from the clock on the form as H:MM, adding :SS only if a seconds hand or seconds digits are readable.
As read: 7:26
